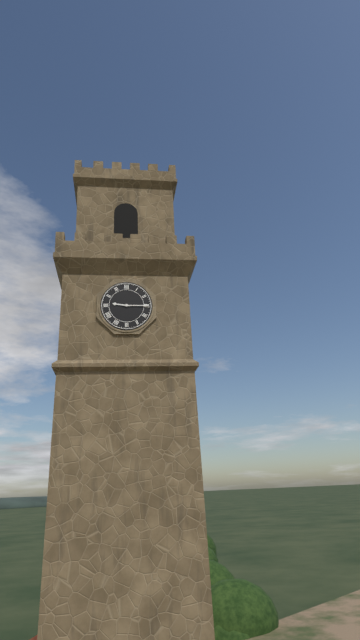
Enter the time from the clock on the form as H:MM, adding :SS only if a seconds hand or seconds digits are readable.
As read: 9:15
